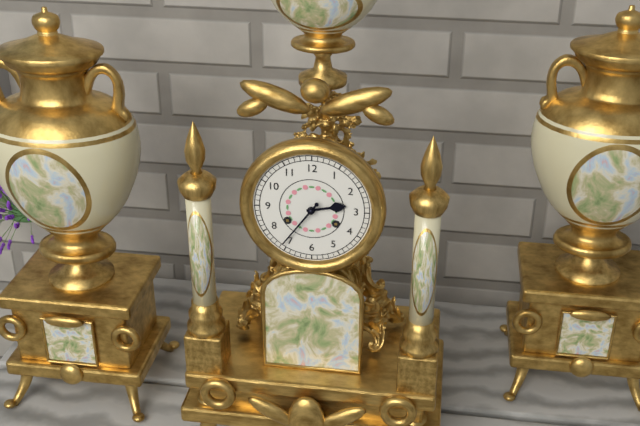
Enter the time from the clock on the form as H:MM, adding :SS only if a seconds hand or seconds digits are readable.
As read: 2:36
